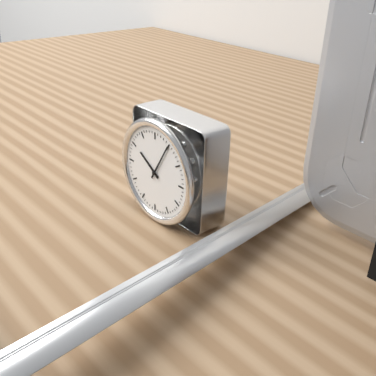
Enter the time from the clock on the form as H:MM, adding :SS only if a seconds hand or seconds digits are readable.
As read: 10:05
